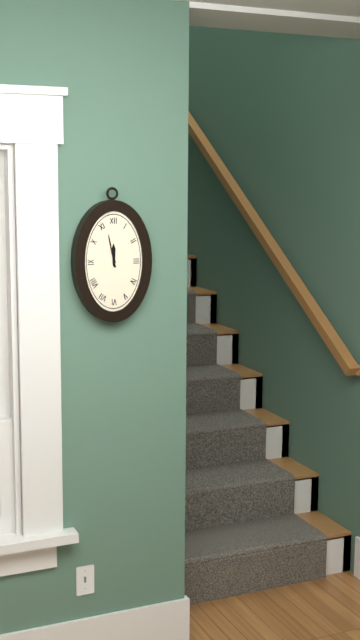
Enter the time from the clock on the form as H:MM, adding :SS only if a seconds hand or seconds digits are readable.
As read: 11:58
